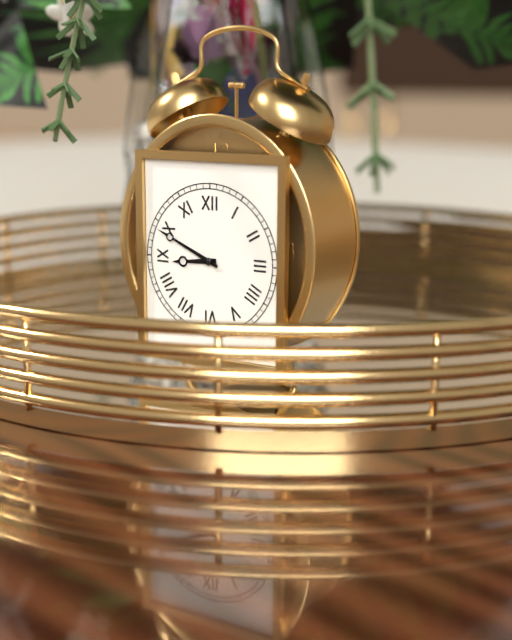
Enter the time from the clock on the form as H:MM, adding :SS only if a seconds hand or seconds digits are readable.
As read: 8:49
